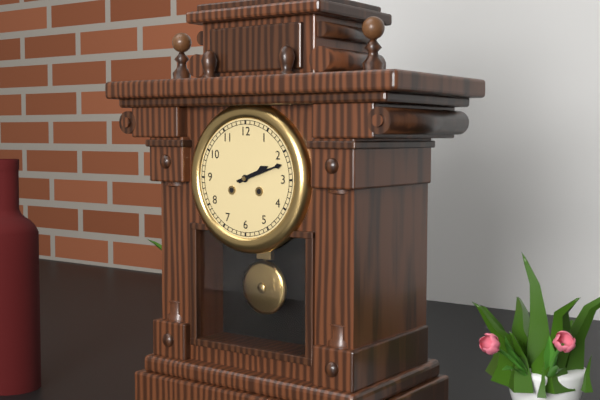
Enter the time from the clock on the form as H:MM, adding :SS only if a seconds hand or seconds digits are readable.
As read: 2:12
